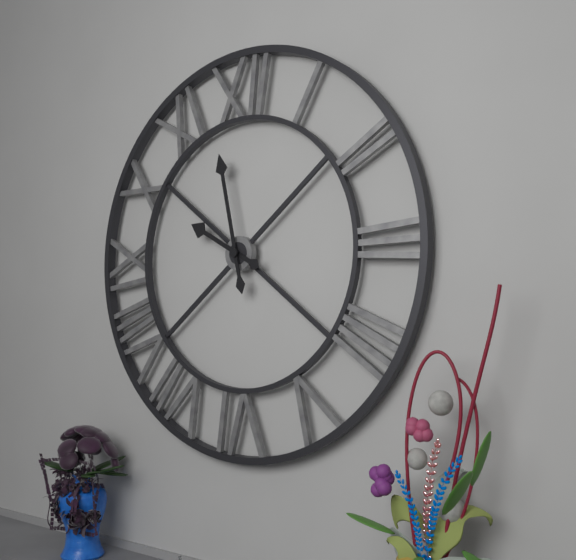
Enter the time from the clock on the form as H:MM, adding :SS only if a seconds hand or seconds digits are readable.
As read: 9:58
